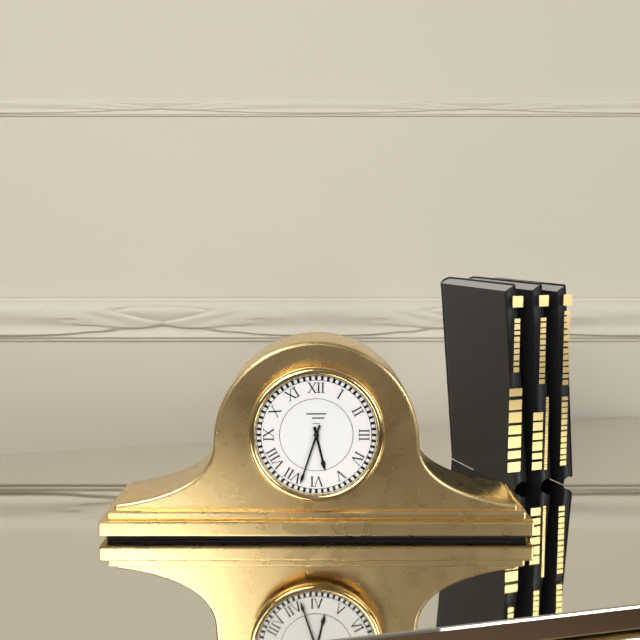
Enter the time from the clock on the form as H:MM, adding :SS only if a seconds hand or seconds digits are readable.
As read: 5:33
